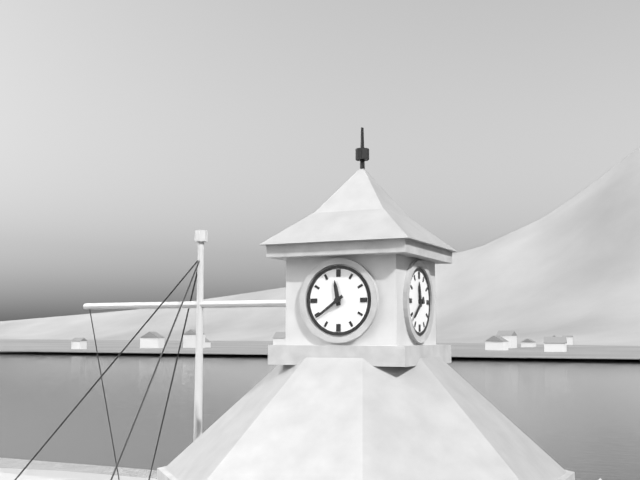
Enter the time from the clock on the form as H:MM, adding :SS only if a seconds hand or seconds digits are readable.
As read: 11:39
